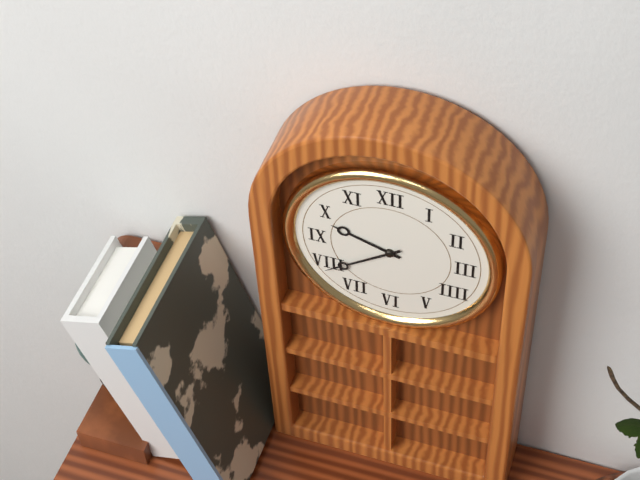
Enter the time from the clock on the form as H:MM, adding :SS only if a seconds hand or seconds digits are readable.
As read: 9:39
